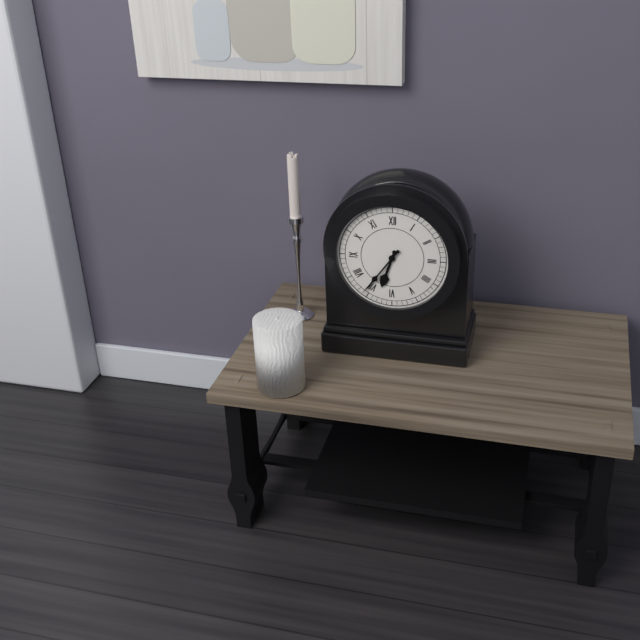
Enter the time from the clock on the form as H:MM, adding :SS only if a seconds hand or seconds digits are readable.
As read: 6:36
